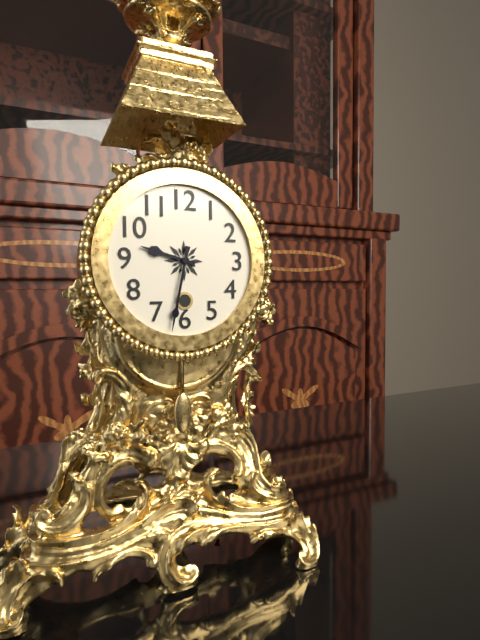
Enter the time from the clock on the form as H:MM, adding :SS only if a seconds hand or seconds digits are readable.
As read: 9:32
